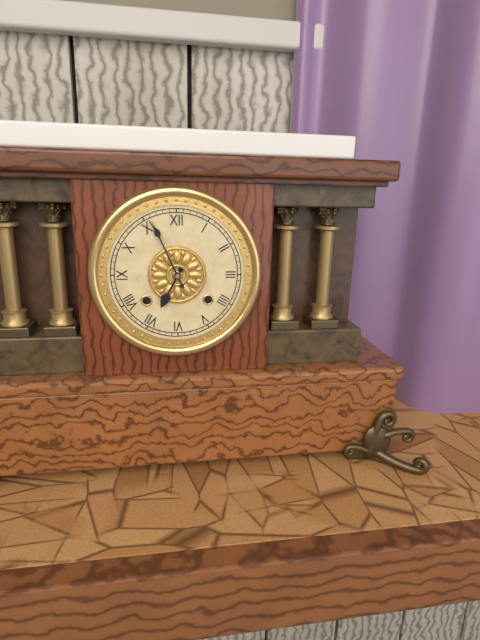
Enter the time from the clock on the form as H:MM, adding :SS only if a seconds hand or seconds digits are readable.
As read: 6:56
